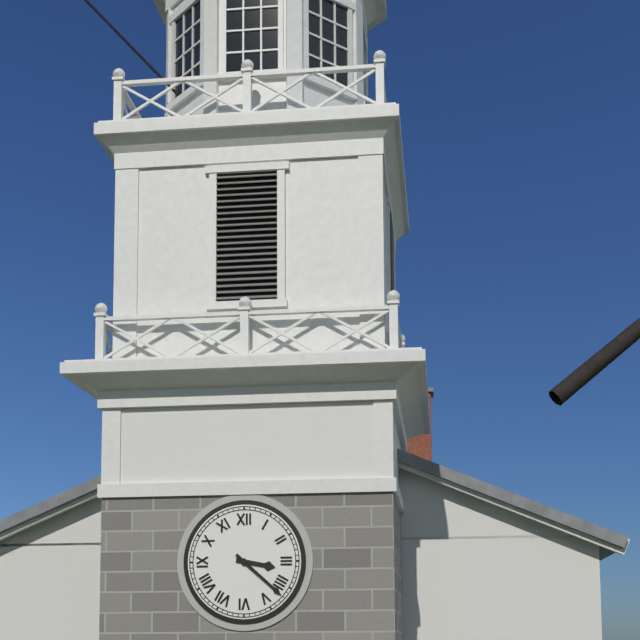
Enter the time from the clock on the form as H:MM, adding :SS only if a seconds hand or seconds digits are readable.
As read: 3:22
